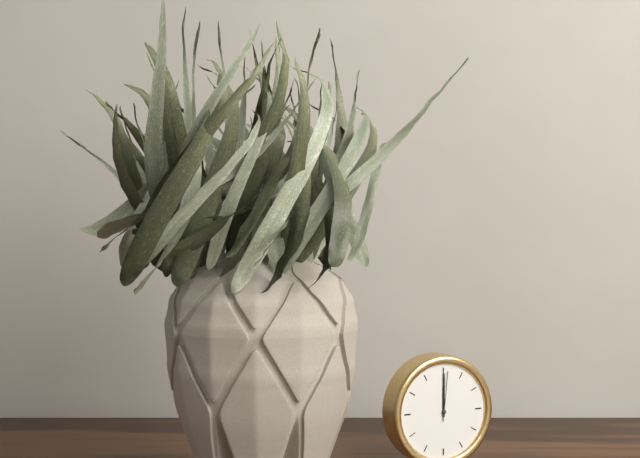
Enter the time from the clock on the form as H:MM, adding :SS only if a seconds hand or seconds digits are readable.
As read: 12:00:01
